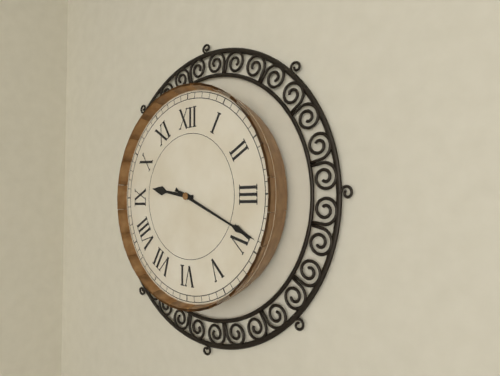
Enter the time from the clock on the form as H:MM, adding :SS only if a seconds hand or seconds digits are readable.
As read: 9:19
